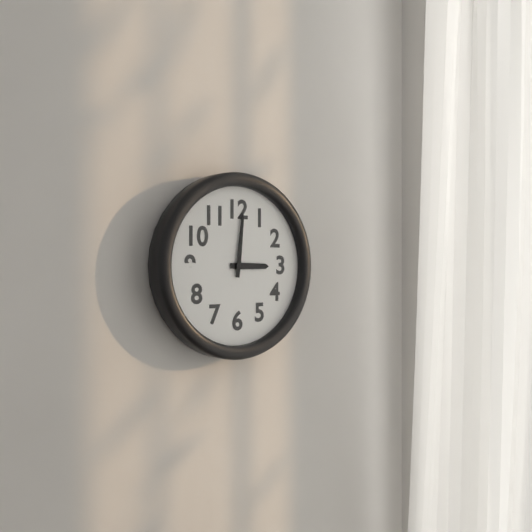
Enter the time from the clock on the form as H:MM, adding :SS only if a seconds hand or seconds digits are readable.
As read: 3:01
